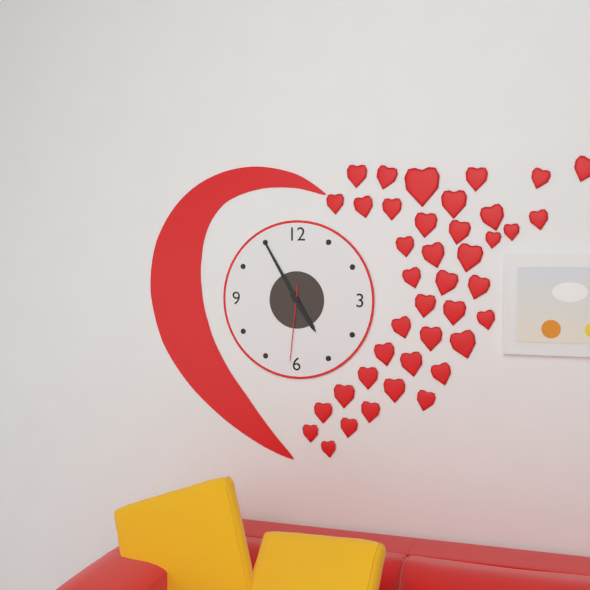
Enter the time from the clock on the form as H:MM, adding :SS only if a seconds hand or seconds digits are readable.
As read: 4:55:31
